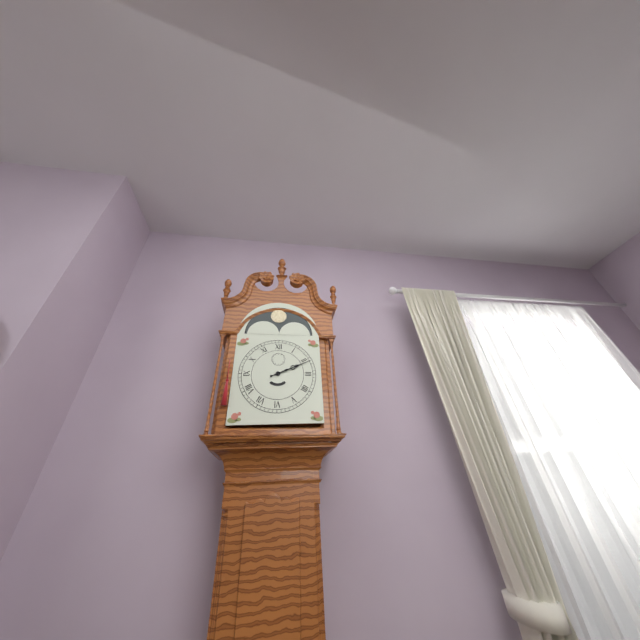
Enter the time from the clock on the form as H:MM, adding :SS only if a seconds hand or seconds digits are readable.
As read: 2:11
